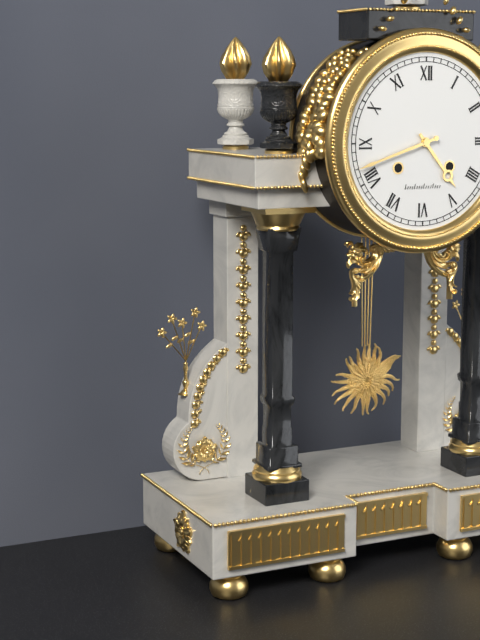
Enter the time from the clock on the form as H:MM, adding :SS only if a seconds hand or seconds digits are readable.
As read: 4:42
